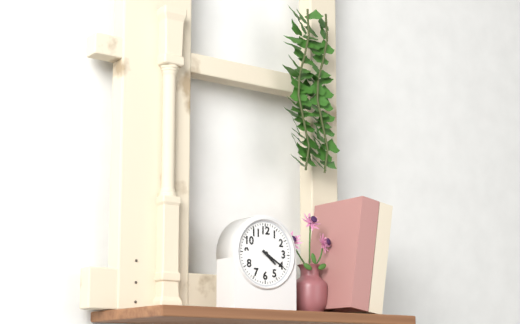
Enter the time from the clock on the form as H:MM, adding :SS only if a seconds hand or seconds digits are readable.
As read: 4:20
